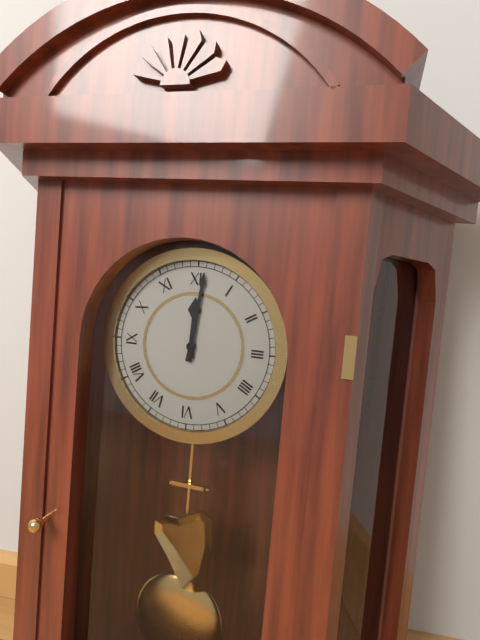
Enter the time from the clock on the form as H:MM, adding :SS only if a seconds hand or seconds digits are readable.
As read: 12:01
